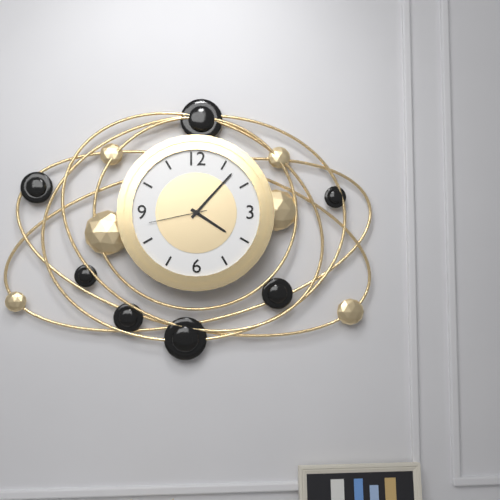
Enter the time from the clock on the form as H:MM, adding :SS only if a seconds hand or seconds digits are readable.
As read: 4:07:43
